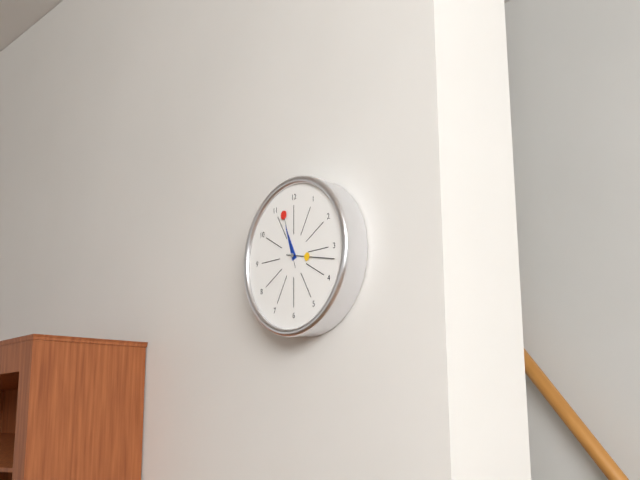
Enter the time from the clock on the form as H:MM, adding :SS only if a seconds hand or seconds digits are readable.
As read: 11:17:57
